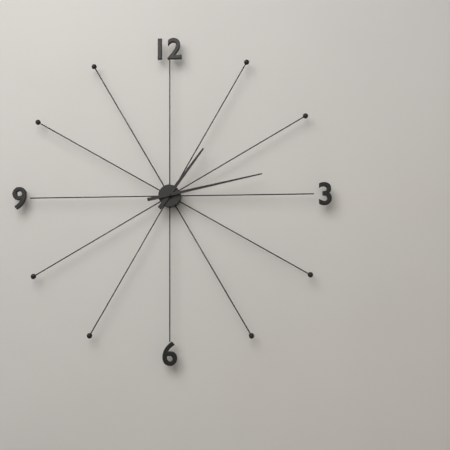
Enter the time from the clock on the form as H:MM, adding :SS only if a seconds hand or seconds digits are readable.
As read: 1:13
